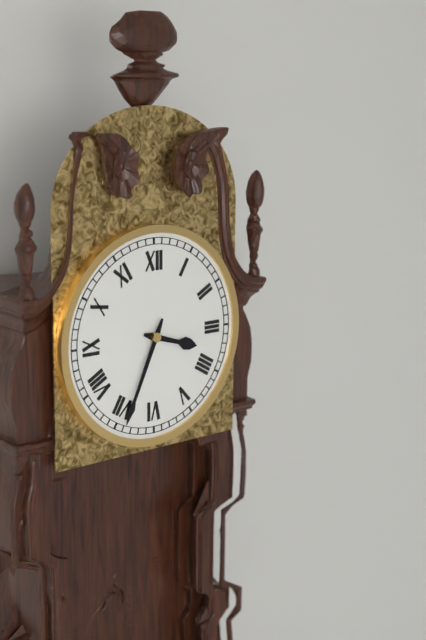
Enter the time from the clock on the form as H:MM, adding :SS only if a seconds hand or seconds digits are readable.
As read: 3:34
